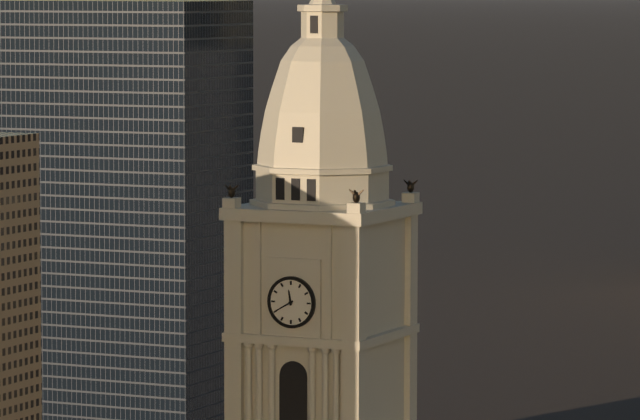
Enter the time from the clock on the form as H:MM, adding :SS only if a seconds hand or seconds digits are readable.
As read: 11:40
